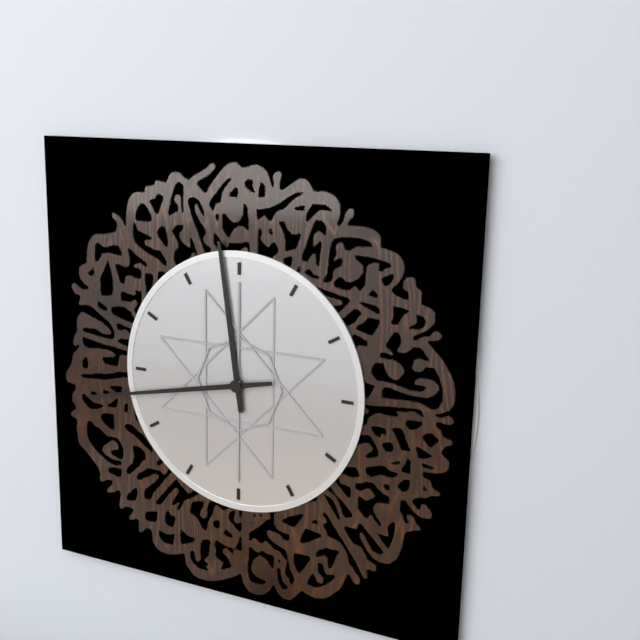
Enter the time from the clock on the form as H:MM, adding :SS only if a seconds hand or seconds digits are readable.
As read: 11:43
